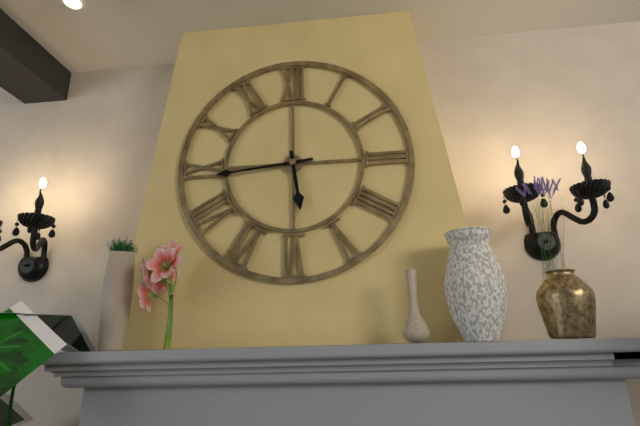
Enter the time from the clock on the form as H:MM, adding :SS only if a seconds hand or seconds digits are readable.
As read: 5:44
